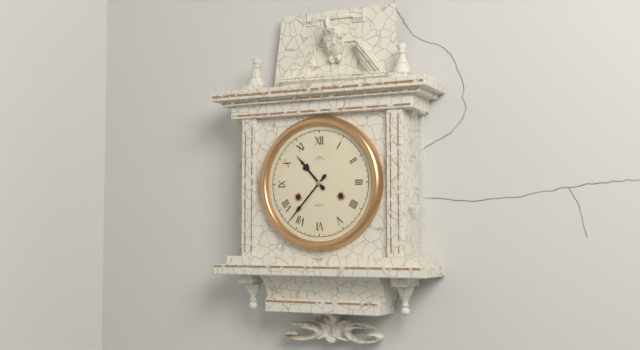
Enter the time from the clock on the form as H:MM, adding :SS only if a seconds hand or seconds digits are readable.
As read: 10:37
